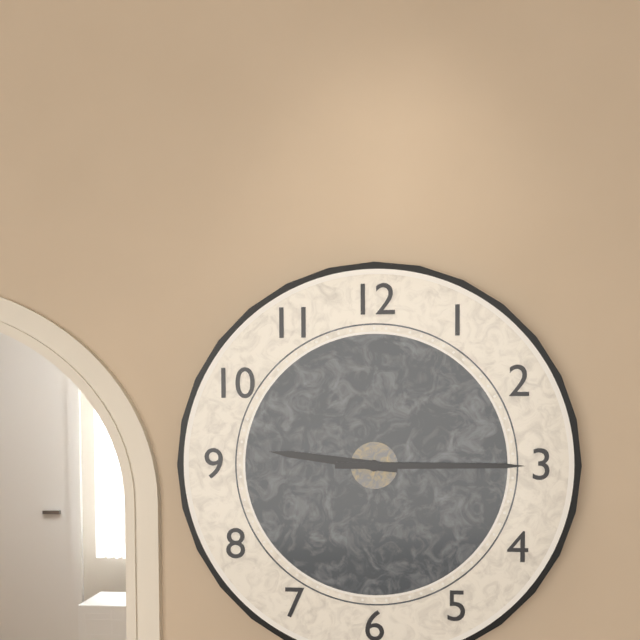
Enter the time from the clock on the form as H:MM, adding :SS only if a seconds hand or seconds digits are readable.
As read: 9:15
